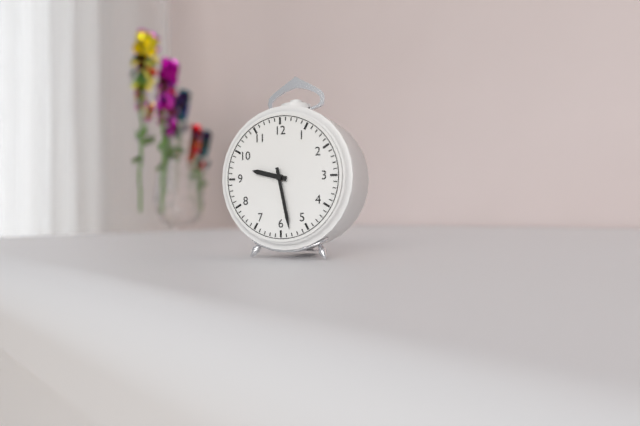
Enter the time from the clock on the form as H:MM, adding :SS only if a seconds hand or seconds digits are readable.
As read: 9:28
